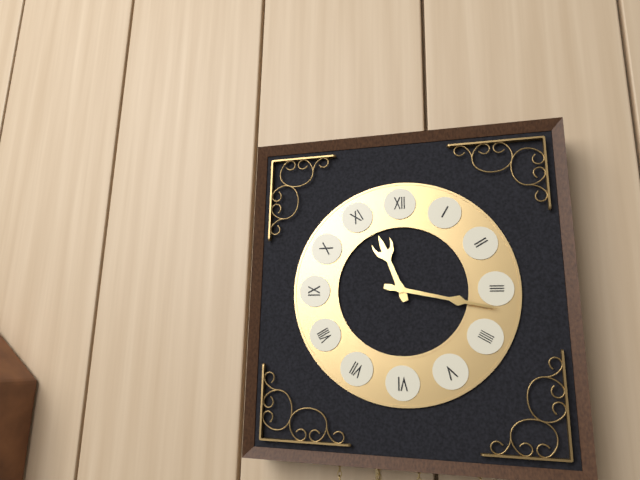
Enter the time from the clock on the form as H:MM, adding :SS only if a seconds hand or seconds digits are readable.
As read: 11:17
